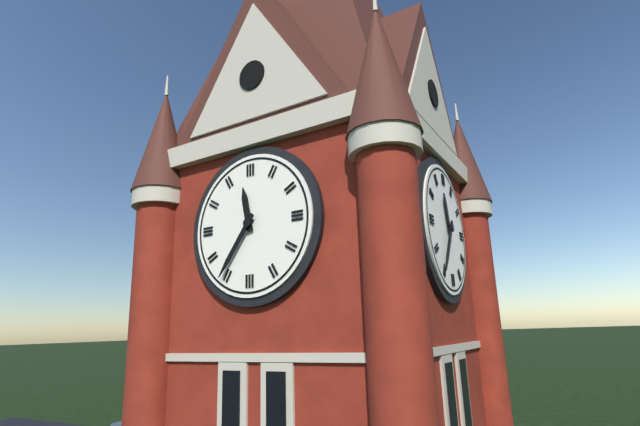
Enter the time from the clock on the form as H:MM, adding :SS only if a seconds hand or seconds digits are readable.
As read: 11:36
